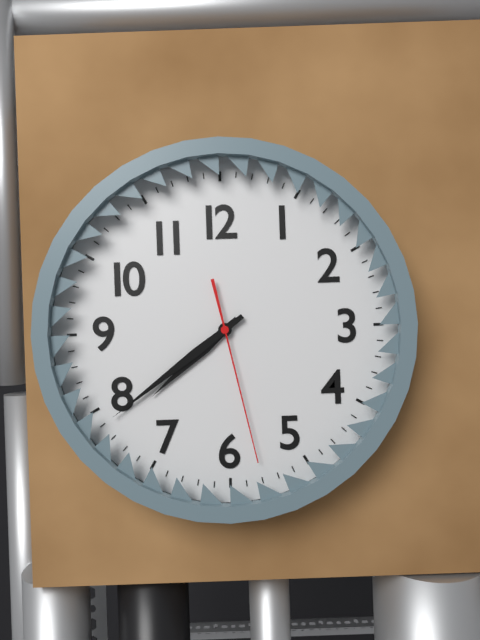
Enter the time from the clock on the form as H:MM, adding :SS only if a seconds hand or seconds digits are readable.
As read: 7:39:28
